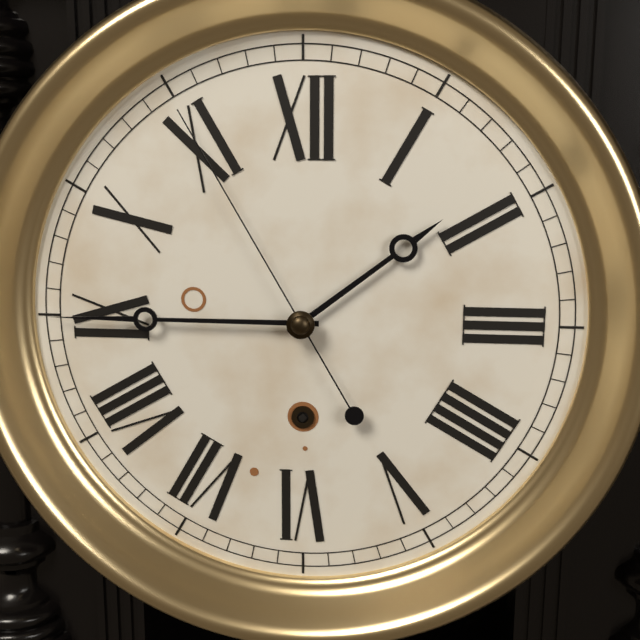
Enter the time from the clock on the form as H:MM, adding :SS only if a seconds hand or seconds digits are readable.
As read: 1:45:55
